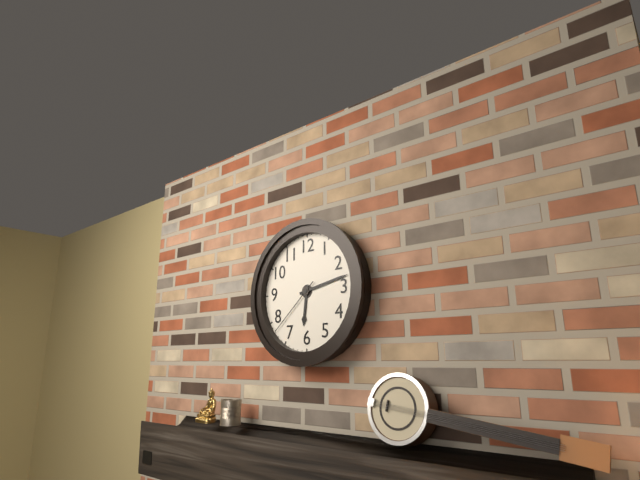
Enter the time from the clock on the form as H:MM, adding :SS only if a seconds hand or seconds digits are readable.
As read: 6:13:38
